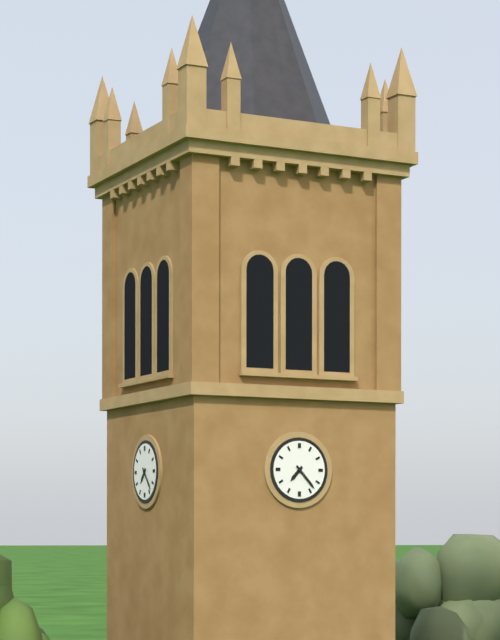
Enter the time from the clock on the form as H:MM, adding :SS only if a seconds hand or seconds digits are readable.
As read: 7:23
